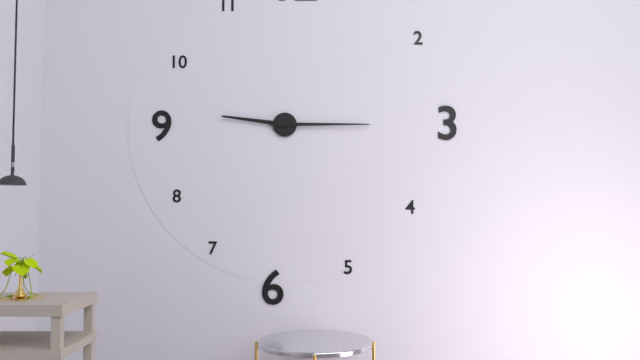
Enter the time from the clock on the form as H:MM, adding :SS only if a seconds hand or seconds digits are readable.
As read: 9:15
